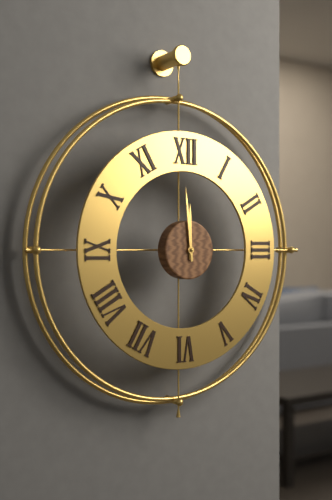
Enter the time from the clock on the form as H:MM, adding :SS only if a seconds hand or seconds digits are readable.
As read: 11:59
